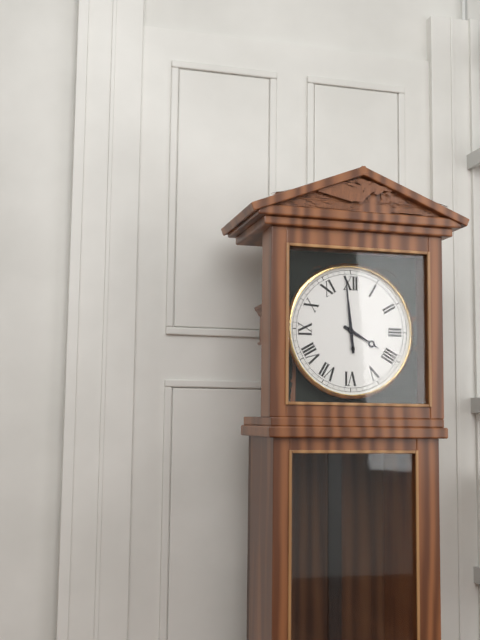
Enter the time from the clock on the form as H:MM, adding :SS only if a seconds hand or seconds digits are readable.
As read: 3:59
